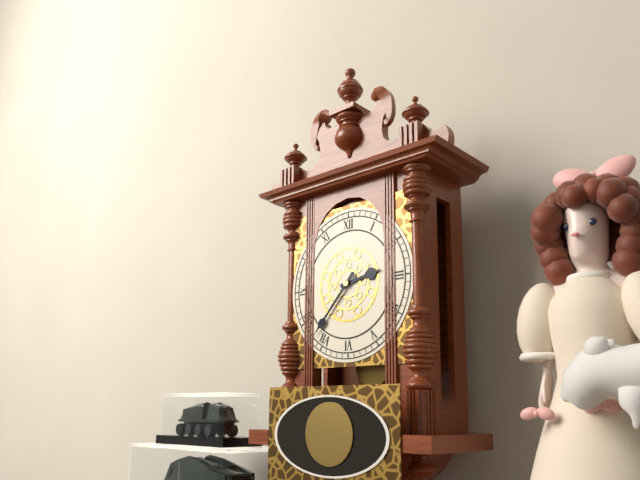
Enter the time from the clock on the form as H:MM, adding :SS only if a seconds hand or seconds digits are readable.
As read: 2:37
